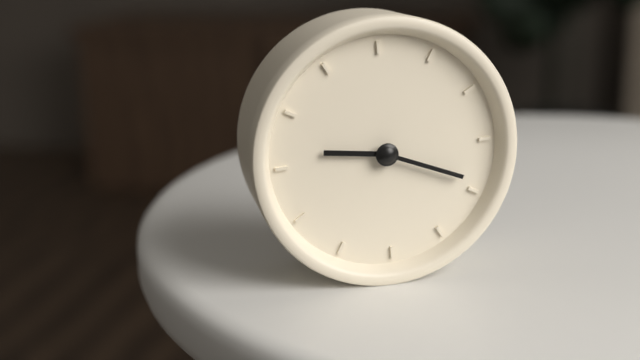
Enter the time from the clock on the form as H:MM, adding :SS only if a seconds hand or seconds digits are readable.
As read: 9:19
